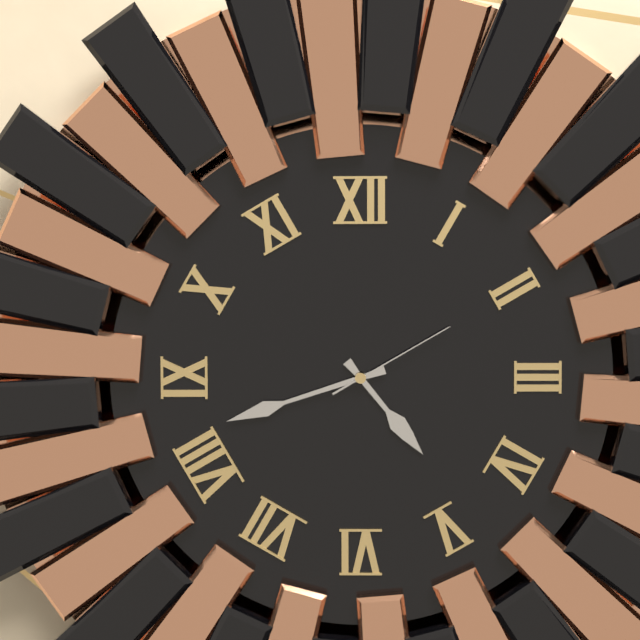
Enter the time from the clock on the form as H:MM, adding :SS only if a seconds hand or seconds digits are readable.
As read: 4:42:10
